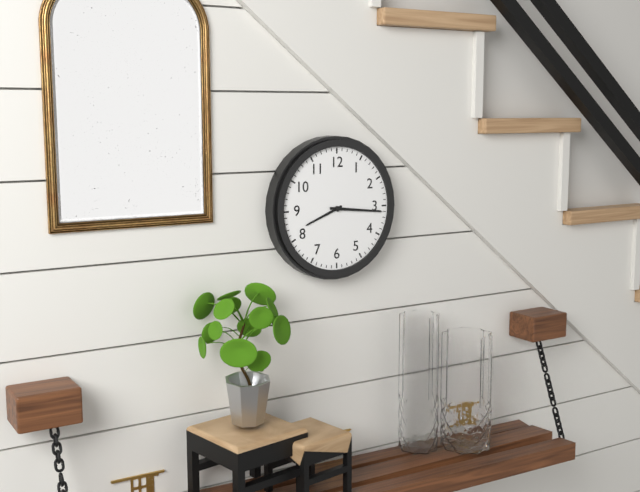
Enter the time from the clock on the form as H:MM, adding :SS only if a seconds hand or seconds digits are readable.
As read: 8:16
